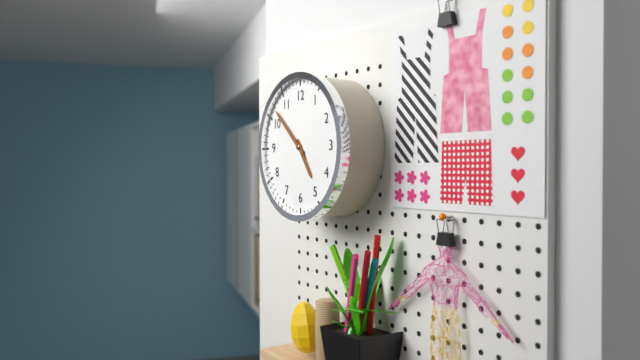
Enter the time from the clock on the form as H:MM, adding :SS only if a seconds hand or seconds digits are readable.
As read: 4:52
